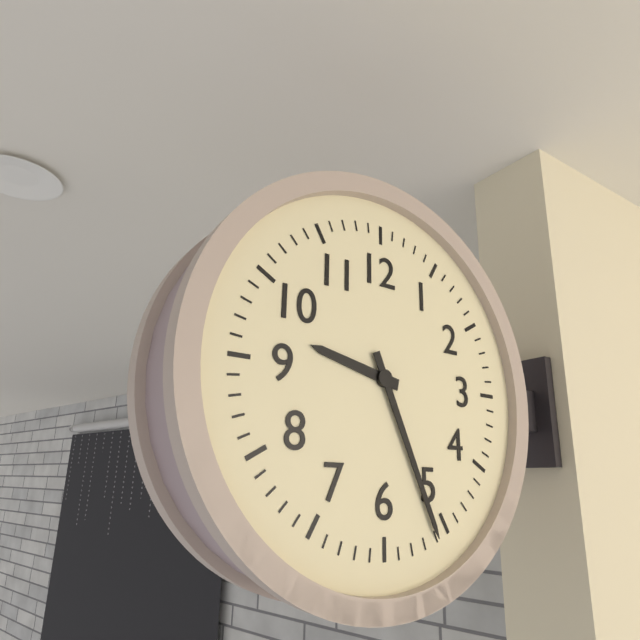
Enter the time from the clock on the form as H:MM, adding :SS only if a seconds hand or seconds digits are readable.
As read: 9:26
